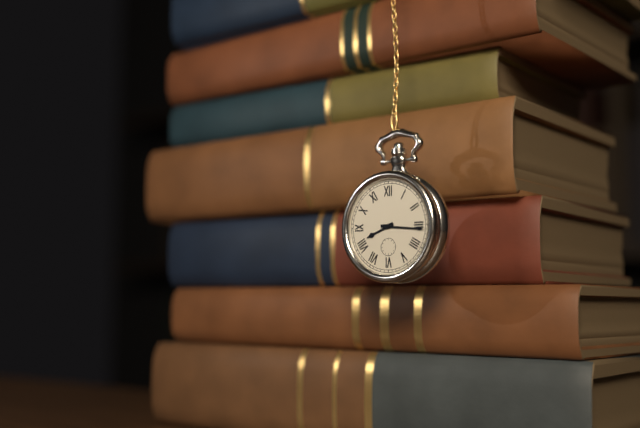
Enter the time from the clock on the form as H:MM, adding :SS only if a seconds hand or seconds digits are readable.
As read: 8:16
